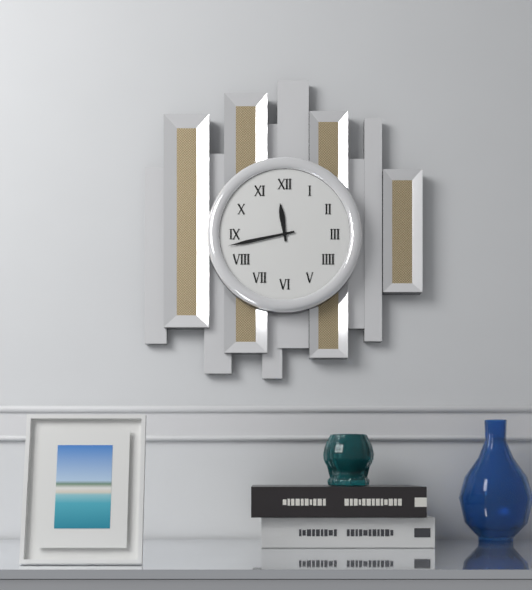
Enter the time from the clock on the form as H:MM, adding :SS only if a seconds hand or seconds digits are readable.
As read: 11:43
